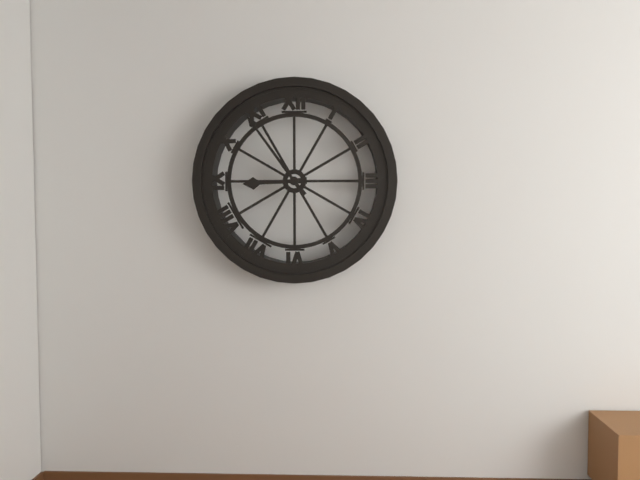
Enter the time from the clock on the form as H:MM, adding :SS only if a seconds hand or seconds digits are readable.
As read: 8:54
